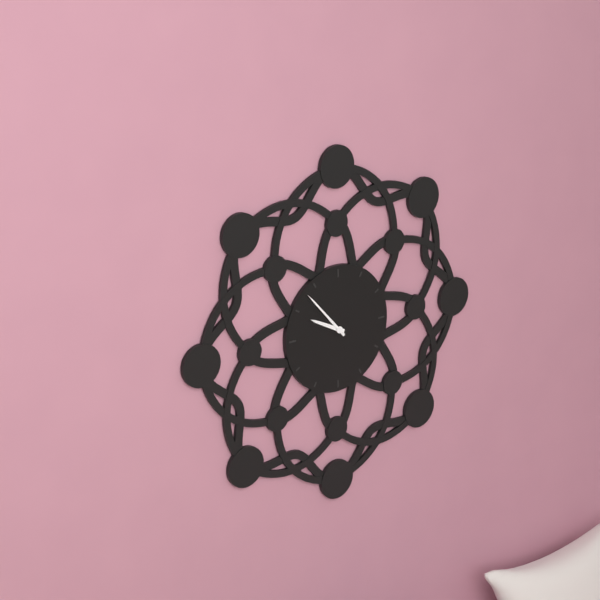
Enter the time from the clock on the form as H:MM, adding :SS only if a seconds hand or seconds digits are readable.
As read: 9:53
